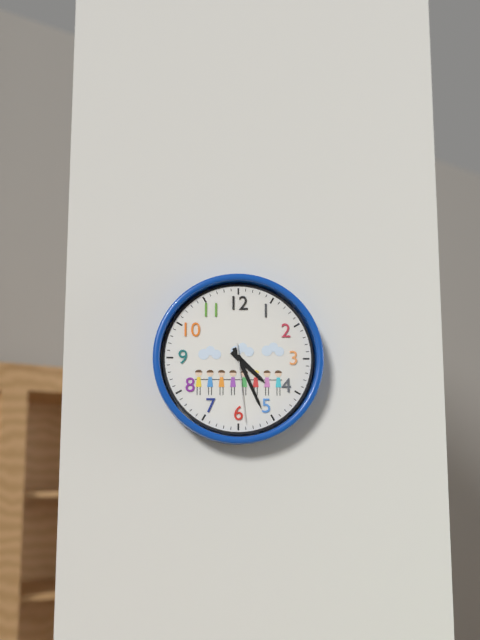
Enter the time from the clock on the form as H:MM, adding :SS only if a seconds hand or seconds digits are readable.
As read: 4:26:29
